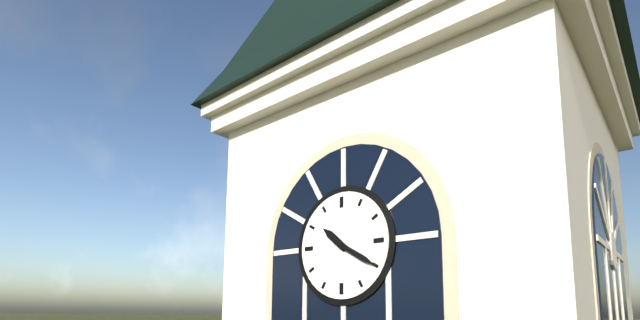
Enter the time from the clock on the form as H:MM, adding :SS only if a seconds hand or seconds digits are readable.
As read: 10:20
